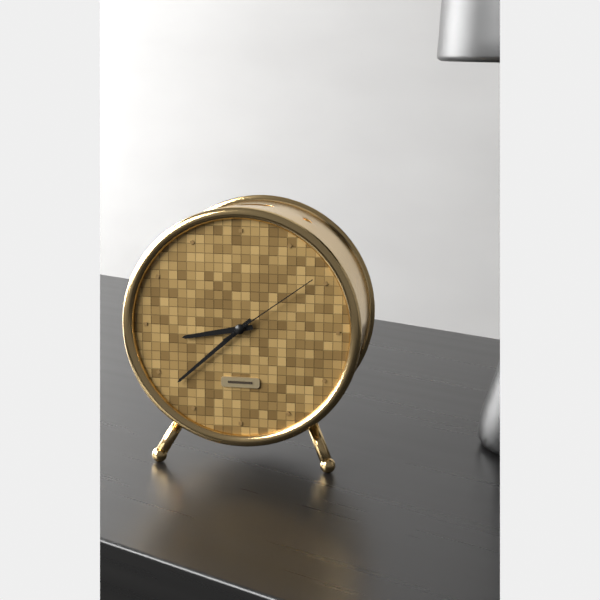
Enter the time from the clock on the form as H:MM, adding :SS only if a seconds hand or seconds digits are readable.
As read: 8:38:09
